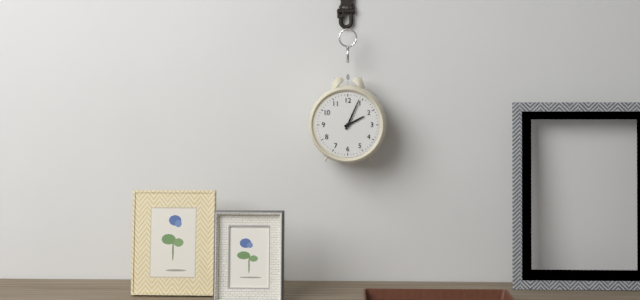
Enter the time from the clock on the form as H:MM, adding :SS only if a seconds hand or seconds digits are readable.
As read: 2:04
